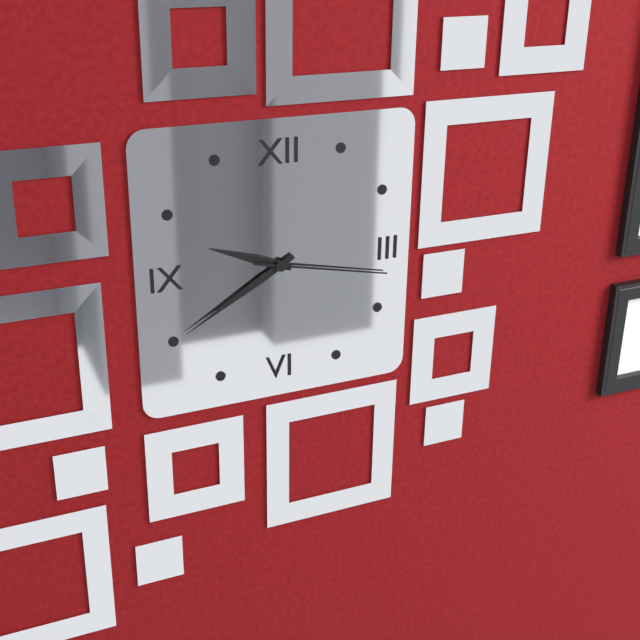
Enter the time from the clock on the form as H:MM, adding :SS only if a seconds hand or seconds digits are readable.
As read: 9:40:17
